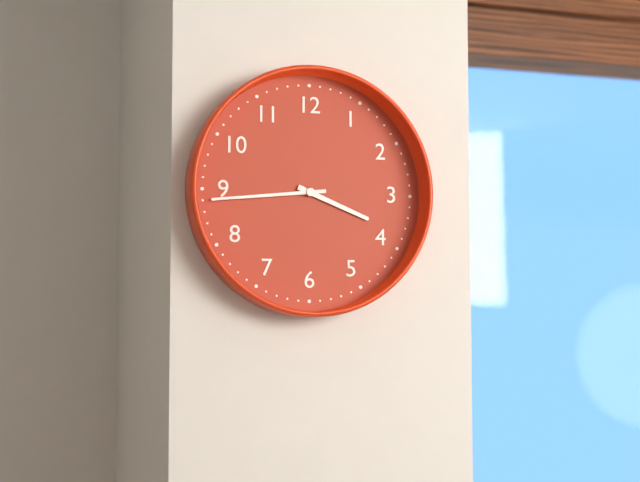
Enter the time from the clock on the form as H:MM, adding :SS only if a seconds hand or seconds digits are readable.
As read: 3:44
